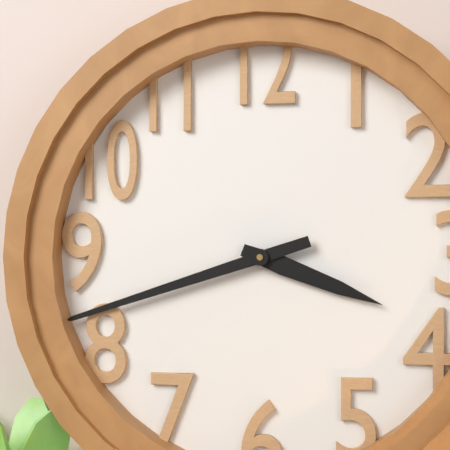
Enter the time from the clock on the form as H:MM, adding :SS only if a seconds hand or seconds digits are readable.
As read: 3:42
